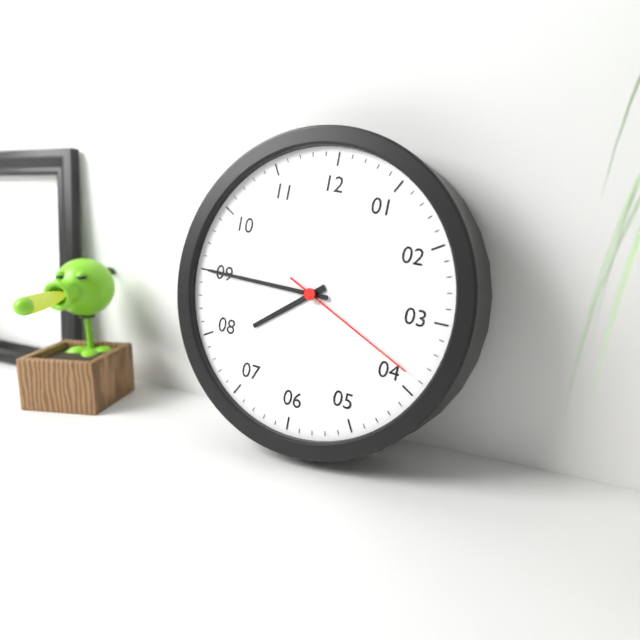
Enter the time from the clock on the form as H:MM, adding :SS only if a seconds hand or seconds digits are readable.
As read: 7:45:19
